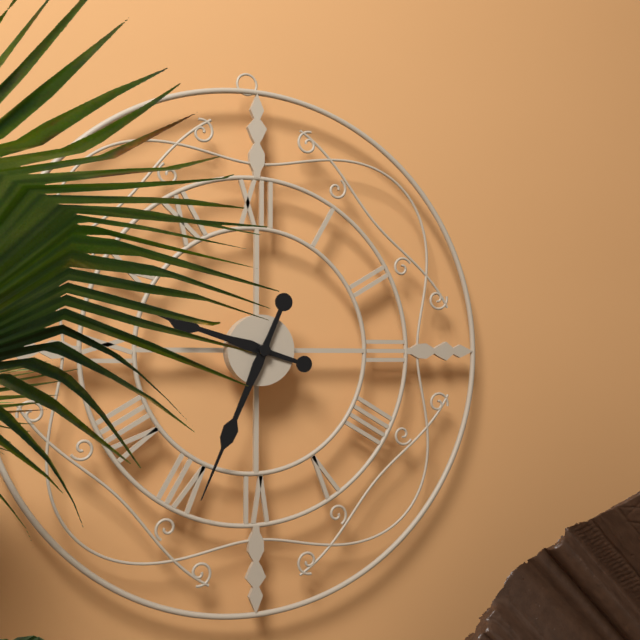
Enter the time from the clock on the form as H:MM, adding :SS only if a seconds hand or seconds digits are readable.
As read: 9:34
